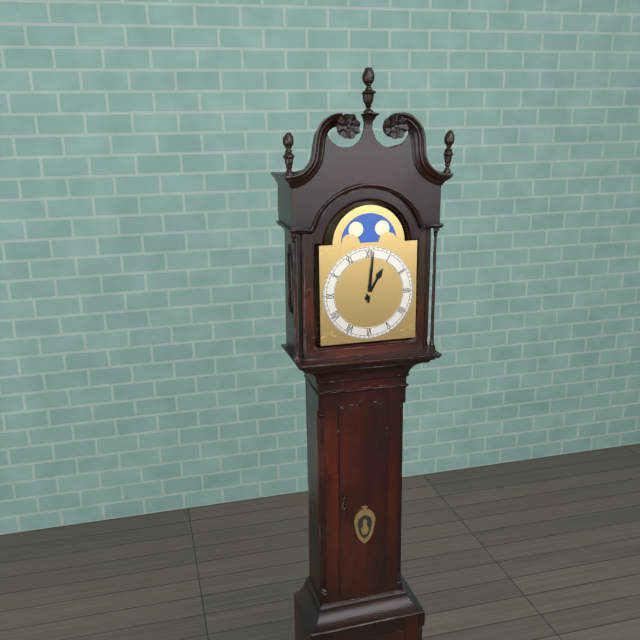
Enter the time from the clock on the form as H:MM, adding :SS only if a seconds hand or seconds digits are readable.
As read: 1:01
